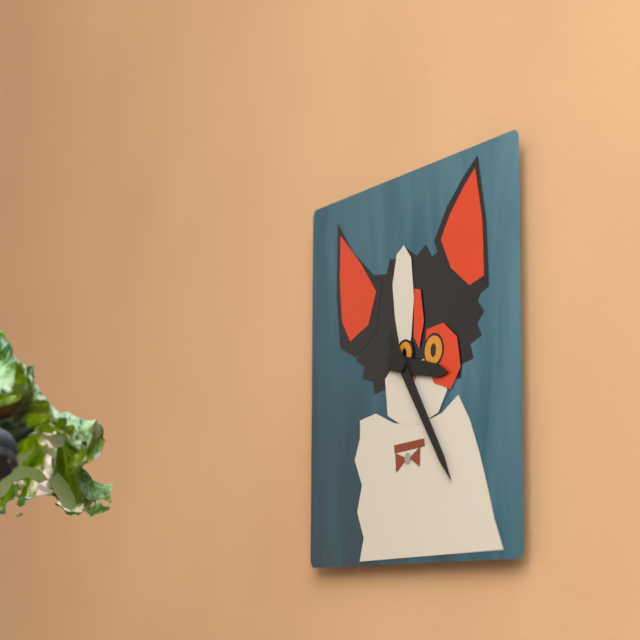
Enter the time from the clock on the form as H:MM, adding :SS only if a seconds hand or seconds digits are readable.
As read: 3:24
